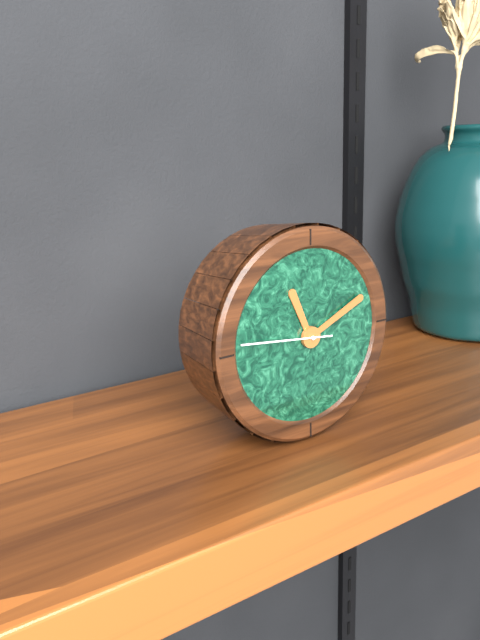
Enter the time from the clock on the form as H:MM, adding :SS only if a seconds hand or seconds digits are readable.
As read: 11:11:46
